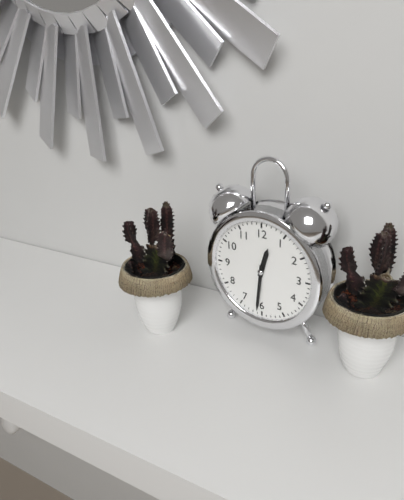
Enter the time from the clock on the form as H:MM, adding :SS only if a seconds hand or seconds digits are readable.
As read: 12:31
